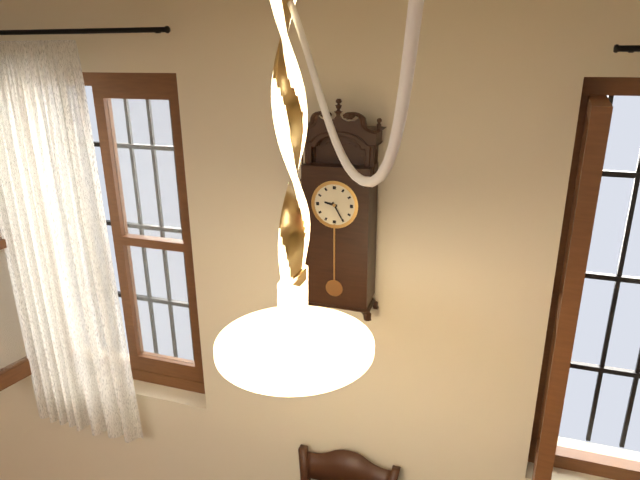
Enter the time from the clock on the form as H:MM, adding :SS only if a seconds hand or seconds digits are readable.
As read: 9:25
